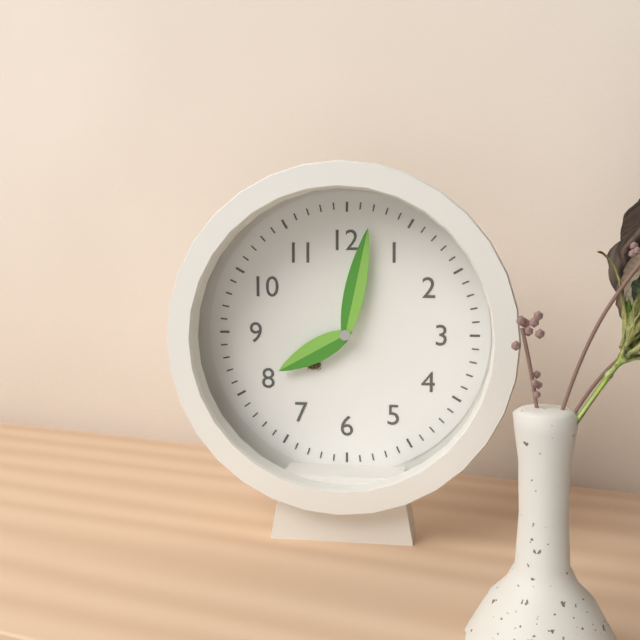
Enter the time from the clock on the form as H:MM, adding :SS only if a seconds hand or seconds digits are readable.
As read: 8:02
